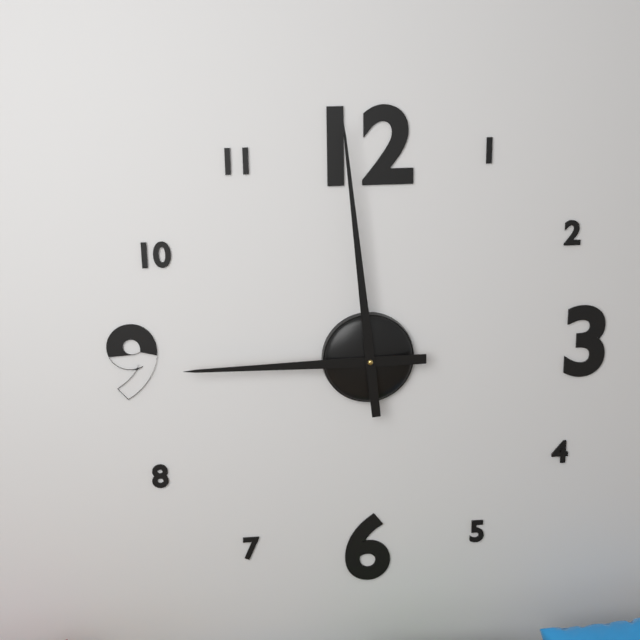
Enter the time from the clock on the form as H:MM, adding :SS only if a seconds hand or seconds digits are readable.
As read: 8:59
